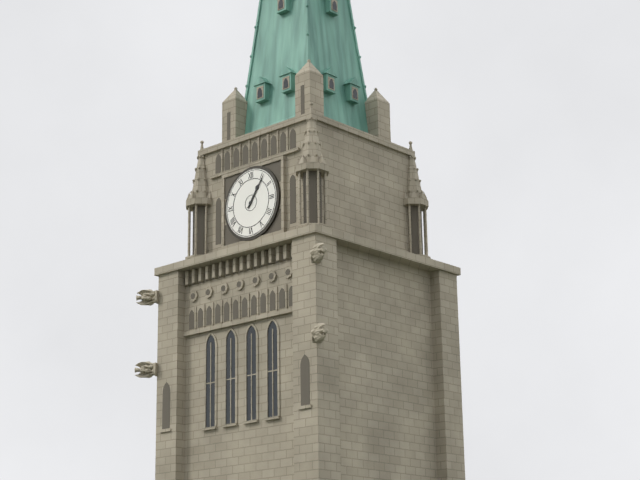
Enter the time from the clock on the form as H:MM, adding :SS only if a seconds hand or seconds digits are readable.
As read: 1:06
